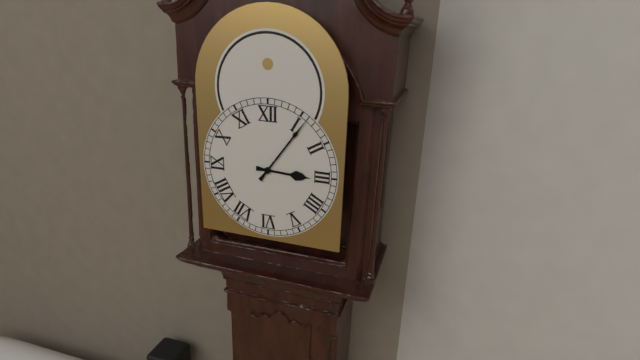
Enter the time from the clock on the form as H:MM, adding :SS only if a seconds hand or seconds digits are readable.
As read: 3:06
